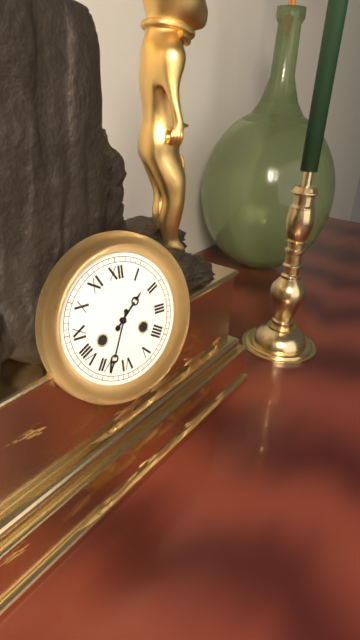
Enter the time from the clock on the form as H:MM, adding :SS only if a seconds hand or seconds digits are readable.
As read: 1:34
